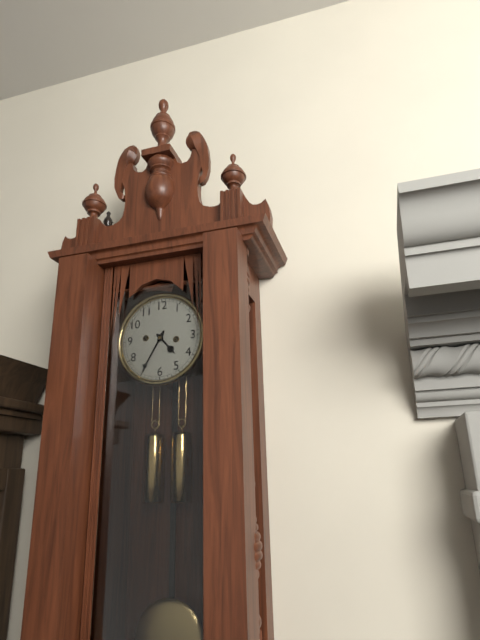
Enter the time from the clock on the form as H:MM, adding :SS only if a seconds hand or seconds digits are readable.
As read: 4:35
